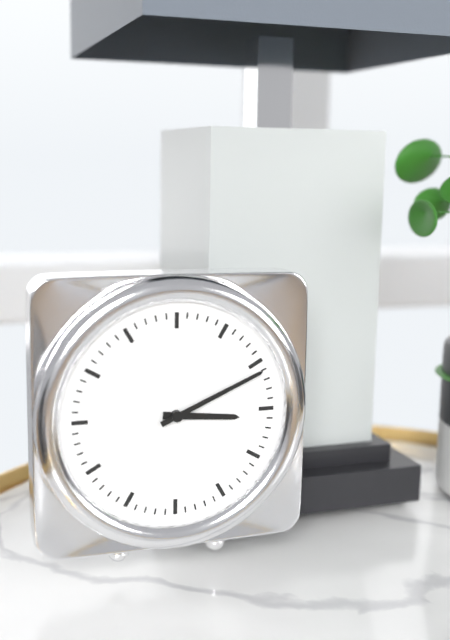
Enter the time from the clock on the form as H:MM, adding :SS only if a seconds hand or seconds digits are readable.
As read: 3:11
